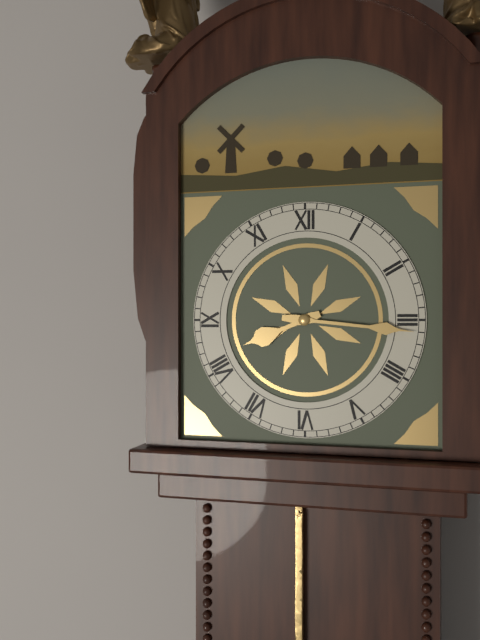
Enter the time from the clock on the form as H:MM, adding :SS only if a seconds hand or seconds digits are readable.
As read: 8:16
